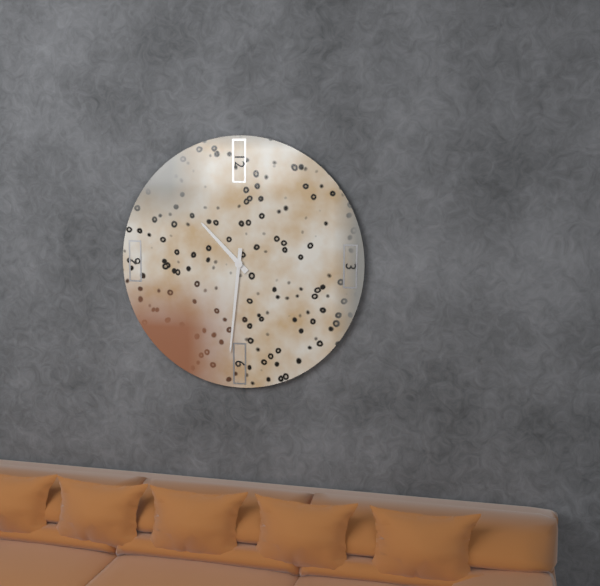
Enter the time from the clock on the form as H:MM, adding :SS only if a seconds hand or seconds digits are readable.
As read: 10:31
